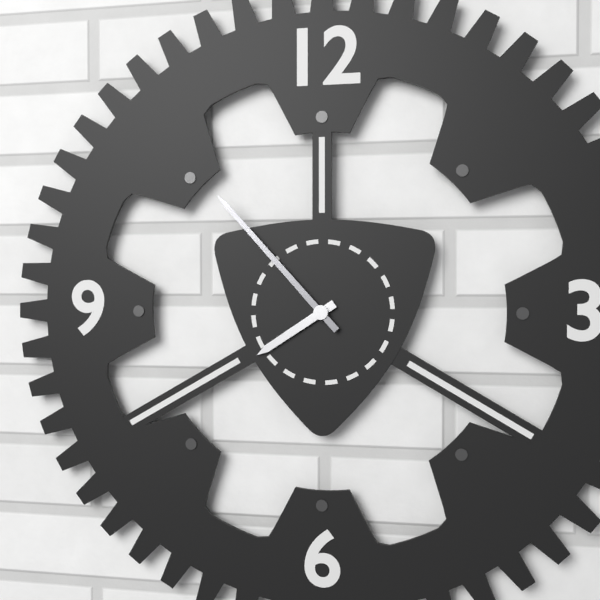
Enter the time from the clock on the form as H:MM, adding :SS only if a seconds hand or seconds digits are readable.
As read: 7:53
